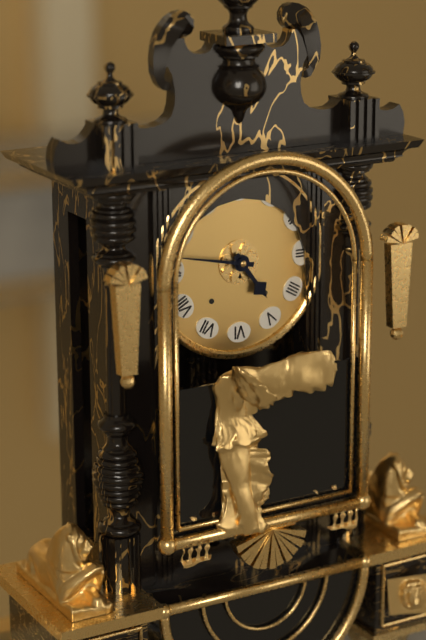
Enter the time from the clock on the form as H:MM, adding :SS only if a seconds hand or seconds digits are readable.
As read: 4:47
